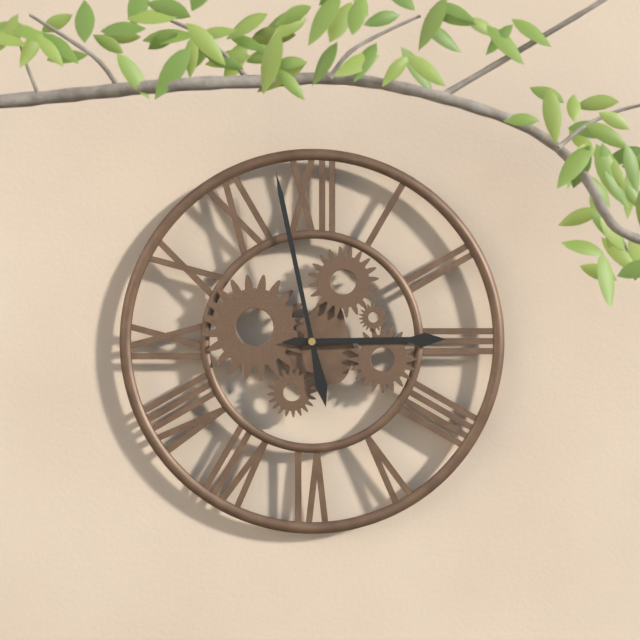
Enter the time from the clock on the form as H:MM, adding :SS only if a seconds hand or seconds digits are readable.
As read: 2:58
